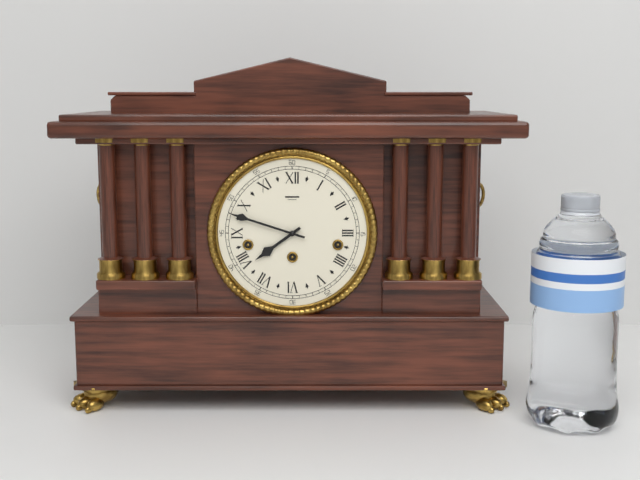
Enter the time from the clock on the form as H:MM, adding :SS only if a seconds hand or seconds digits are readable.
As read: 7:48
